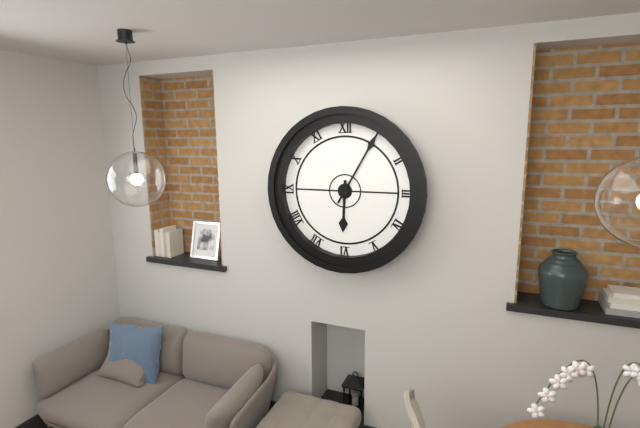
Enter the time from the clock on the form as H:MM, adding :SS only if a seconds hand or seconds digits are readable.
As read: 6:05
